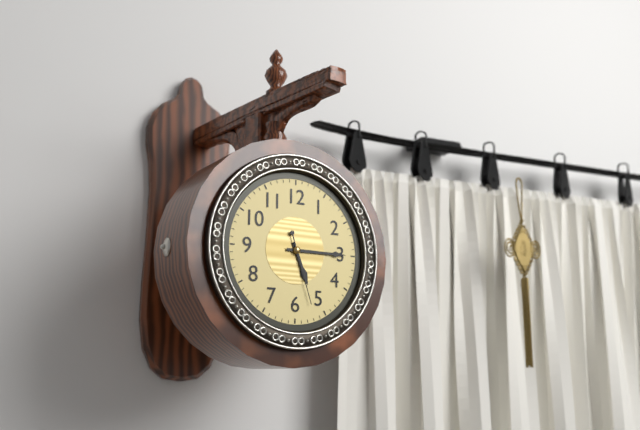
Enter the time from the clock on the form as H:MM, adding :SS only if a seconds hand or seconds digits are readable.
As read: 5:15:27
